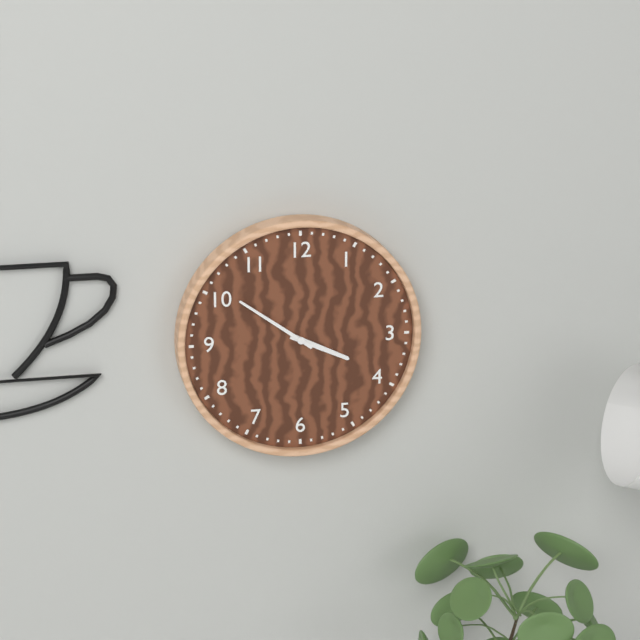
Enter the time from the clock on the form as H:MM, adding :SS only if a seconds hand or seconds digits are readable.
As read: 3:51
